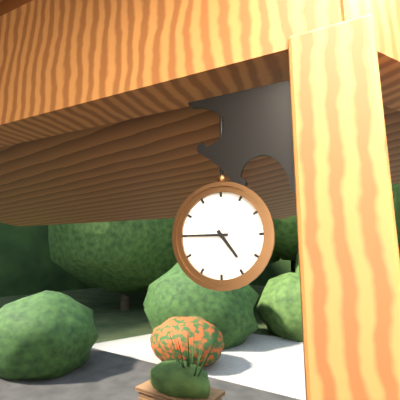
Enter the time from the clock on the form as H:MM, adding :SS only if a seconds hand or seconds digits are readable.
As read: 4:45
